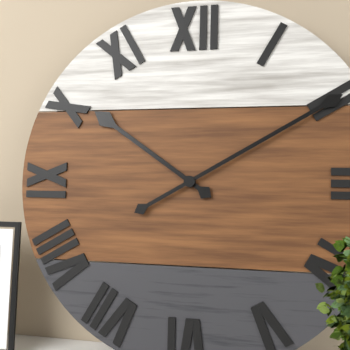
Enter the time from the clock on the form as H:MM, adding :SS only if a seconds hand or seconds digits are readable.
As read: 10:10
